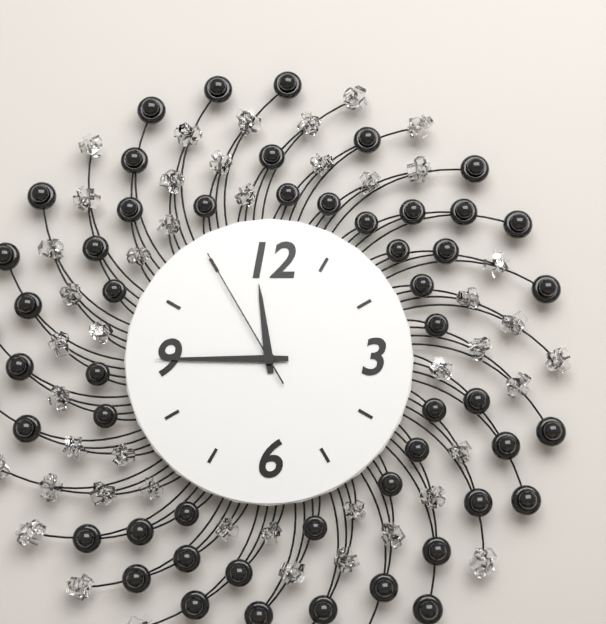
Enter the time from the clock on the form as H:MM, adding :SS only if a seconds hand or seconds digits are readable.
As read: 11:45:55
